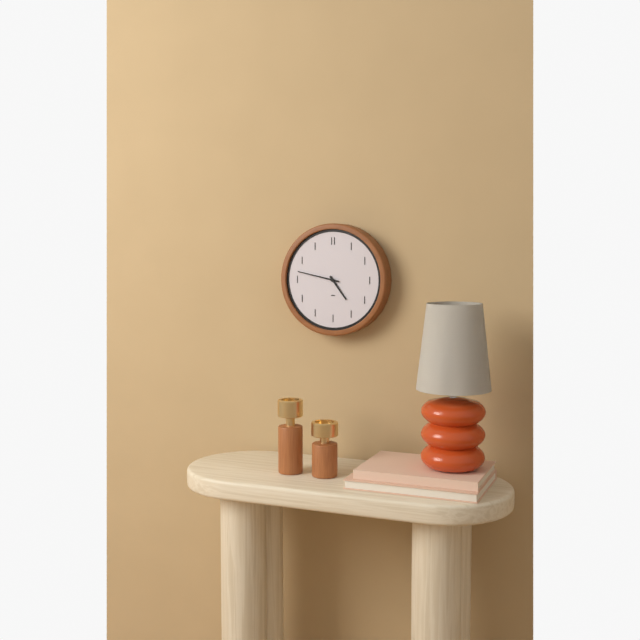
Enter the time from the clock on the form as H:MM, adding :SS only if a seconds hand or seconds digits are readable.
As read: 4:47
